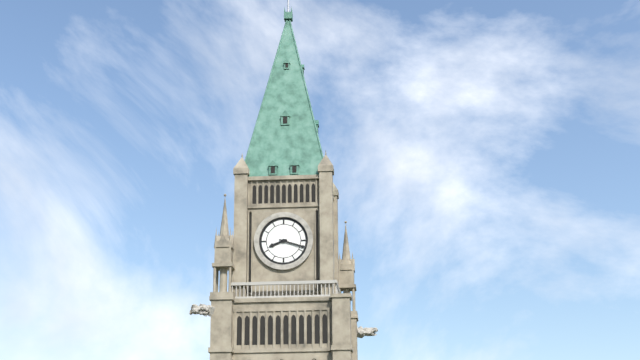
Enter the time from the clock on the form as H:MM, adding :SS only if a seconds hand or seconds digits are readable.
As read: 8:18
